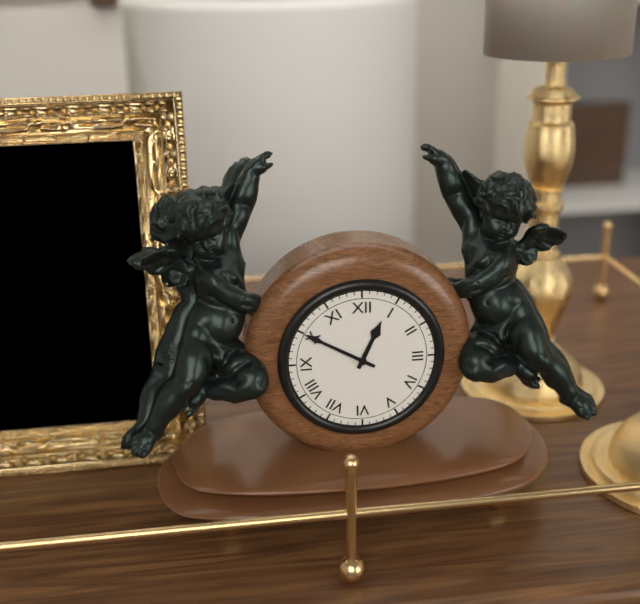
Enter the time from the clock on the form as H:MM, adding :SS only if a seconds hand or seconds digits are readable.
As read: 12:50
